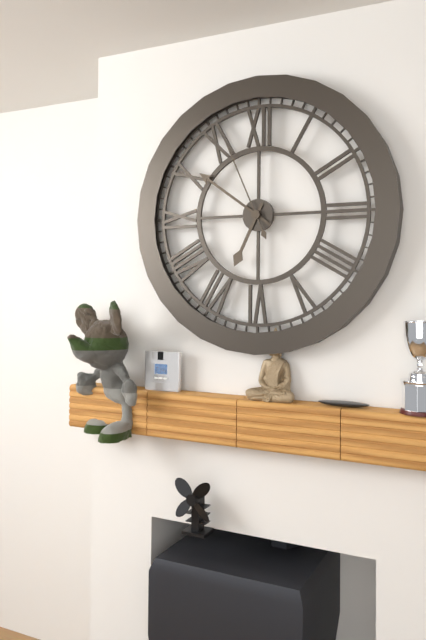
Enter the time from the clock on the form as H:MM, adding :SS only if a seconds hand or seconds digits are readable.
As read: 6:51:56
